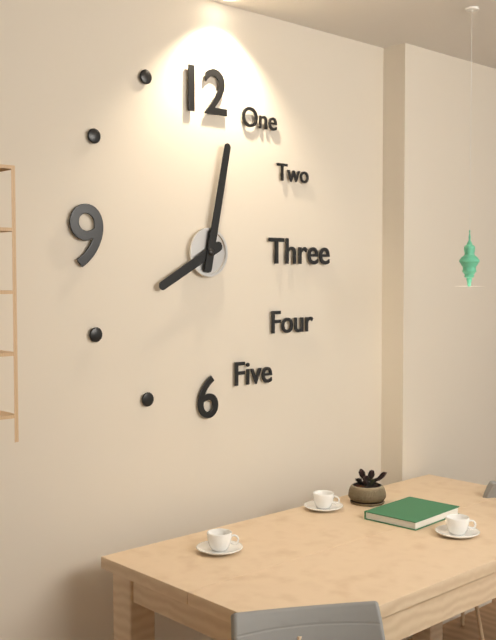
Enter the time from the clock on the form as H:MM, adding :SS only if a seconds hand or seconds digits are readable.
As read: 8:02
